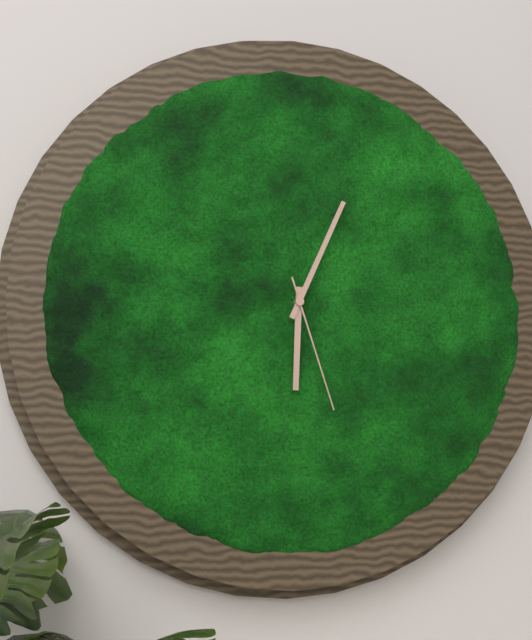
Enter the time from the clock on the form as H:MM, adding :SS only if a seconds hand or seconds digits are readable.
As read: 6:04:27
